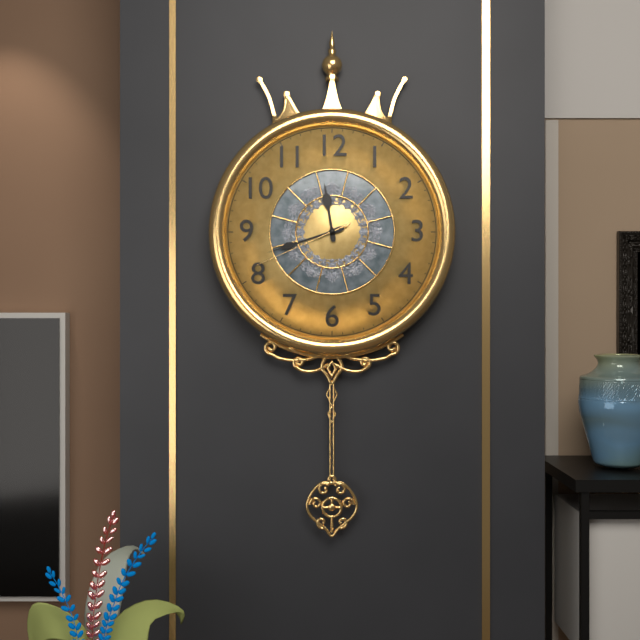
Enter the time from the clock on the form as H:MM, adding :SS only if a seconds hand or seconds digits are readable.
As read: 11:42:41
